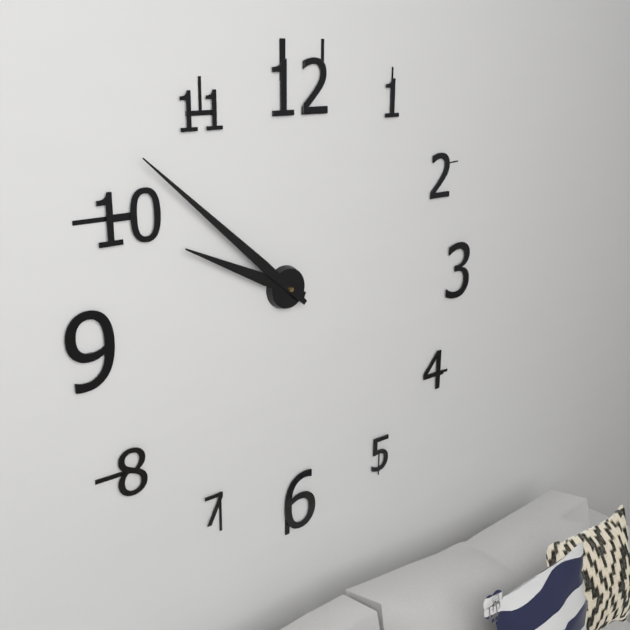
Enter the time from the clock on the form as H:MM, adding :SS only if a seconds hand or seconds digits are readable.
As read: 9:52
